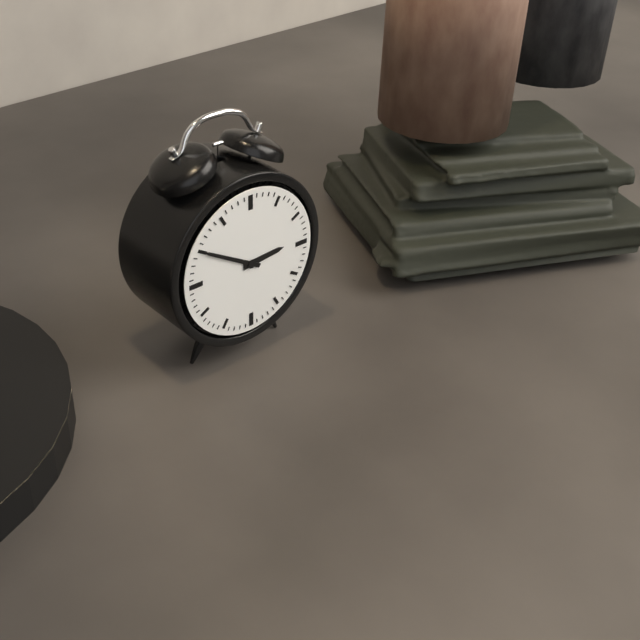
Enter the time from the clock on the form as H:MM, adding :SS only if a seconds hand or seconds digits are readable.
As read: 2:50
